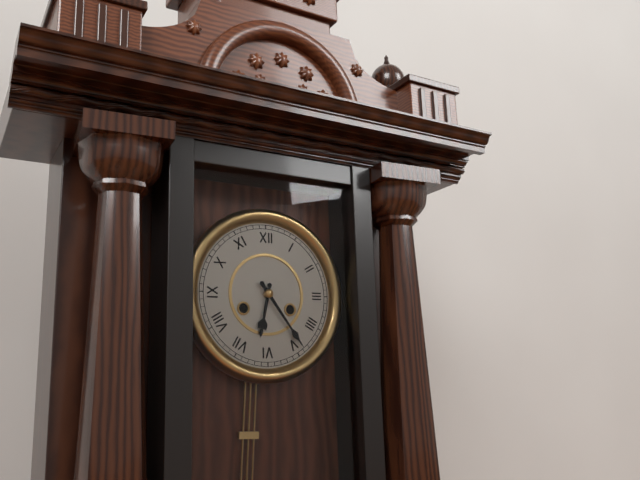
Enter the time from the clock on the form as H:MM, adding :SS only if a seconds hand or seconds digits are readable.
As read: 6:24
